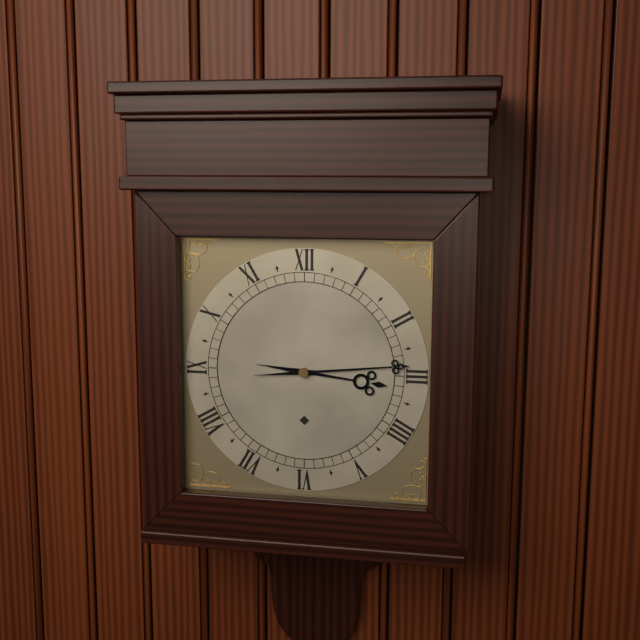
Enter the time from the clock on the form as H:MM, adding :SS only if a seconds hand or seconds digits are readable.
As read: 3:14
